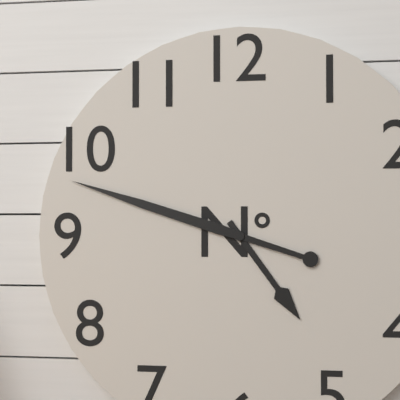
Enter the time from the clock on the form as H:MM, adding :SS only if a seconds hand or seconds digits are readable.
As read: 4:48
